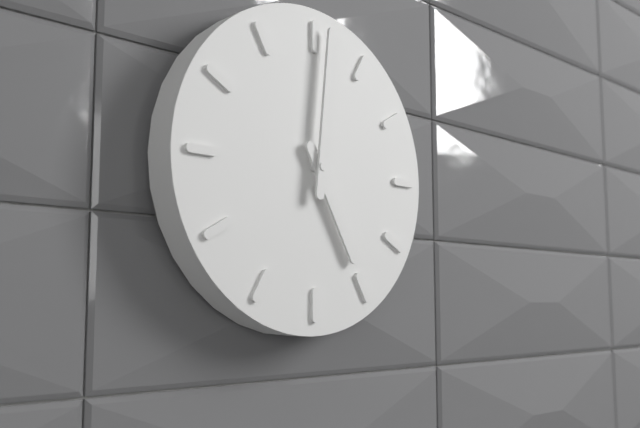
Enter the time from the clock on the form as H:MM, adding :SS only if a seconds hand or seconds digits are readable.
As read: 5:01
